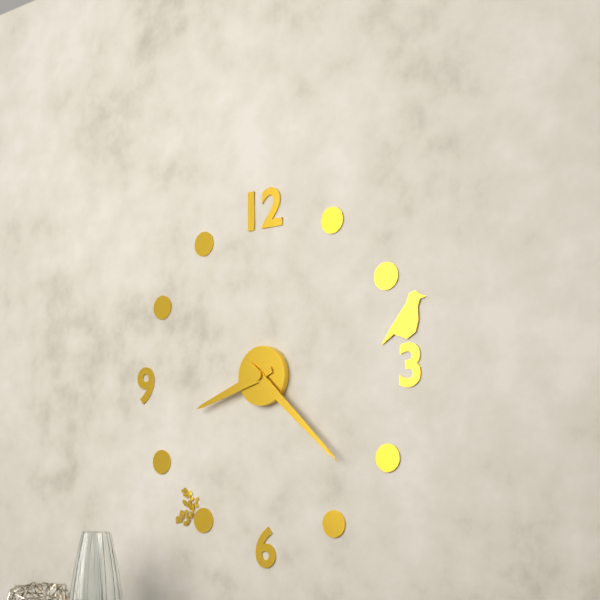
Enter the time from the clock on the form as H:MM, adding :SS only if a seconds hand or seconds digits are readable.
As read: 8:22
